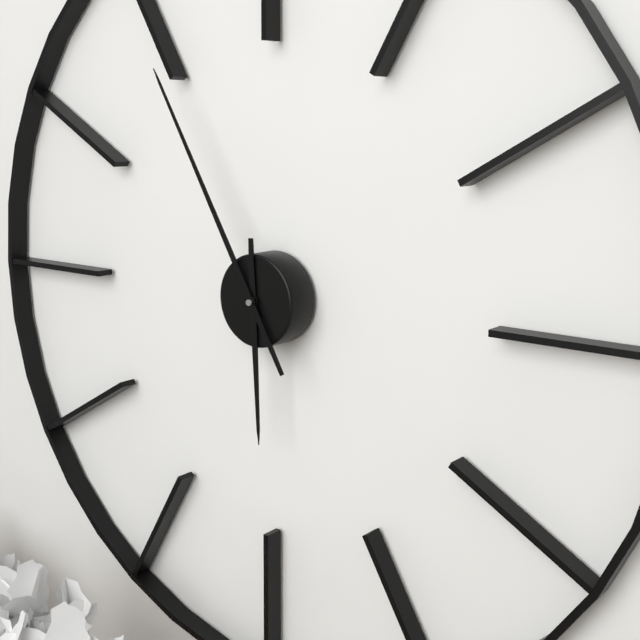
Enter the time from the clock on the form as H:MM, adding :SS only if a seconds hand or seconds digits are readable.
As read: 5:55
